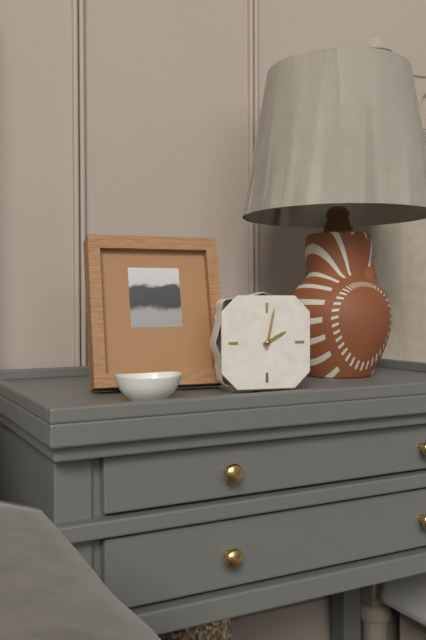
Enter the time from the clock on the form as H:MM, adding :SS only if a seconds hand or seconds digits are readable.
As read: 2:02
